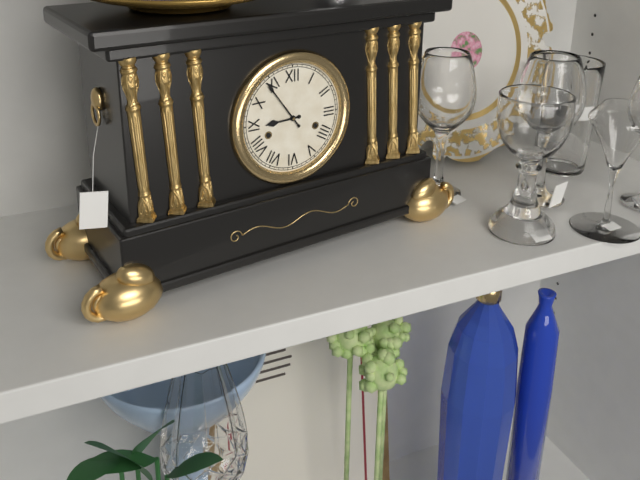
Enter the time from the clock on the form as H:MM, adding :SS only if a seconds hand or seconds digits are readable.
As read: 8:54
